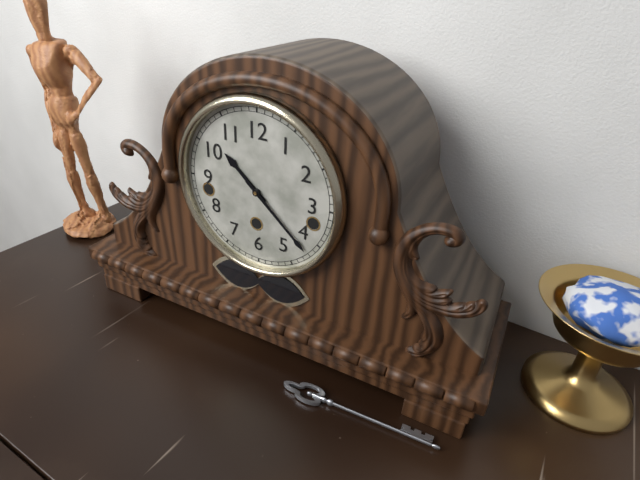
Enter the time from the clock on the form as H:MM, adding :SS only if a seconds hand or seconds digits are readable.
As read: 10:22
